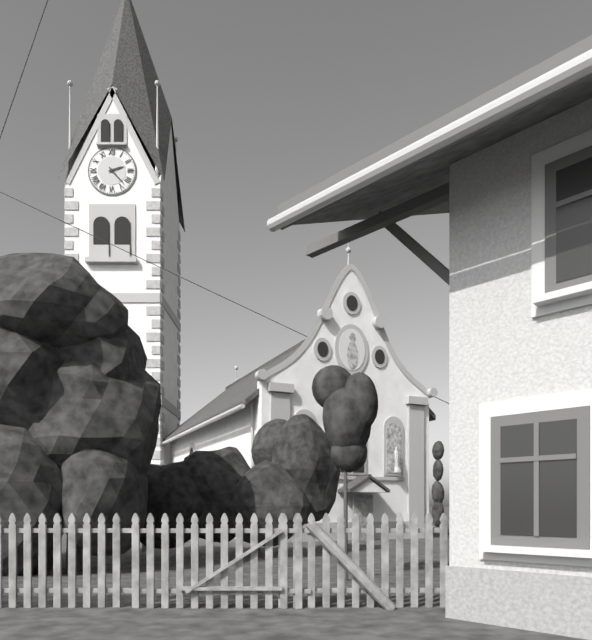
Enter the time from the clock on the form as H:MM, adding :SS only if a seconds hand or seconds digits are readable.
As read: 2:23
